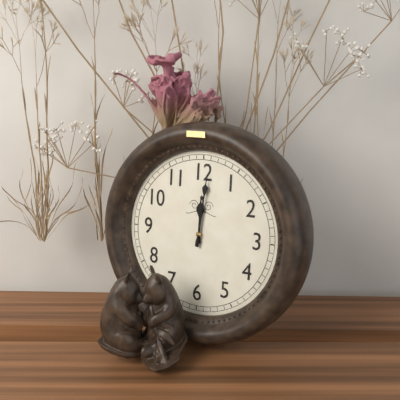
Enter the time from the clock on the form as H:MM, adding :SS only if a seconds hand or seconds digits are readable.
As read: 12:01
